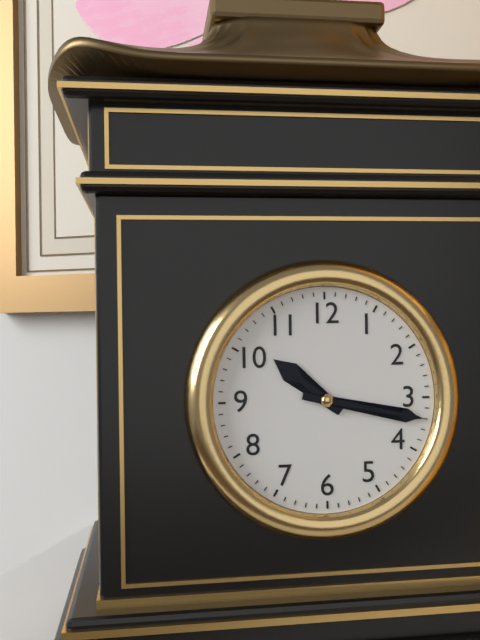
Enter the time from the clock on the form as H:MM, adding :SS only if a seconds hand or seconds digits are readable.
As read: 10:17
